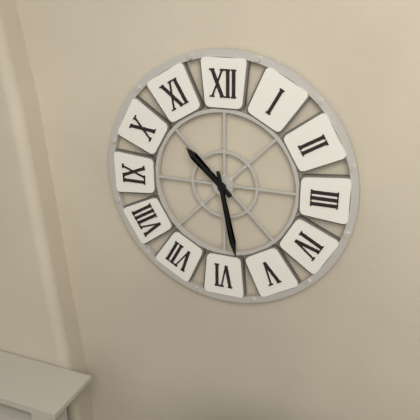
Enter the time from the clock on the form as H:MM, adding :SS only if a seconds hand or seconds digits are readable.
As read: 10:28
